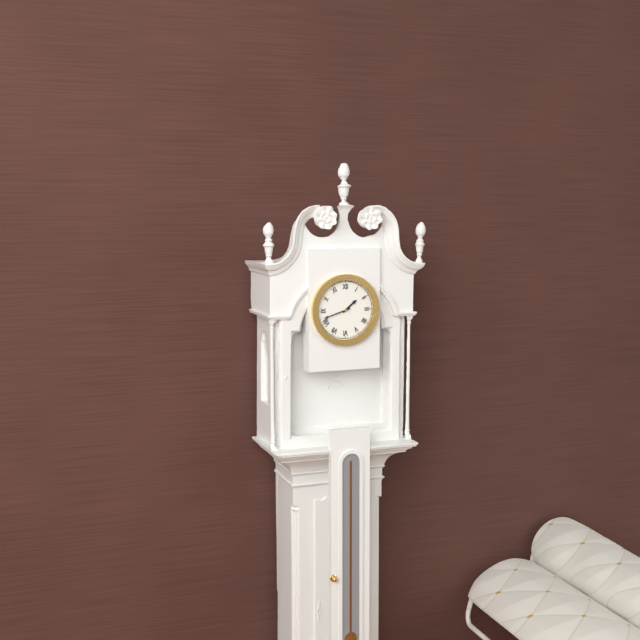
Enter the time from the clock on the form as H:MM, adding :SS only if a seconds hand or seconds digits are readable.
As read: 1:42
